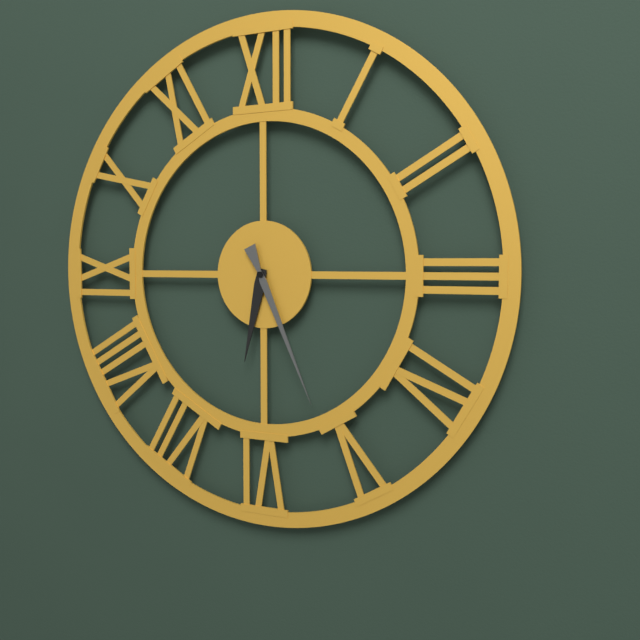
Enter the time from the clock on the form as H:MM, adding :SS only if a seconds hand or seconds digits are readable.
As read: 6:26
